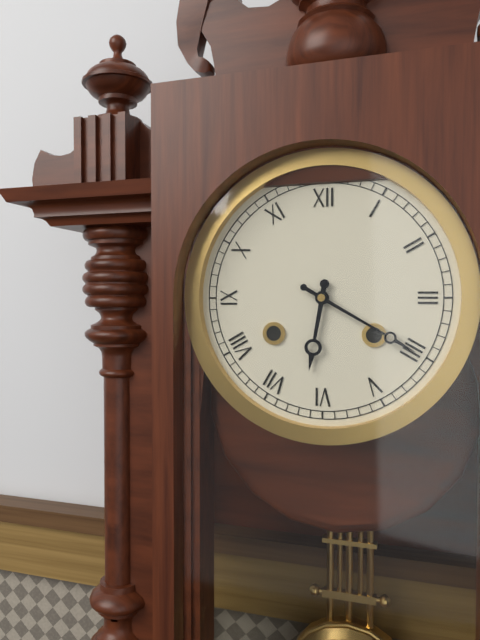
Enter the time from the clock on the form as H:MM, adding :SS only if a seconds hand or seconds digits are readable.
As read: 6:20
